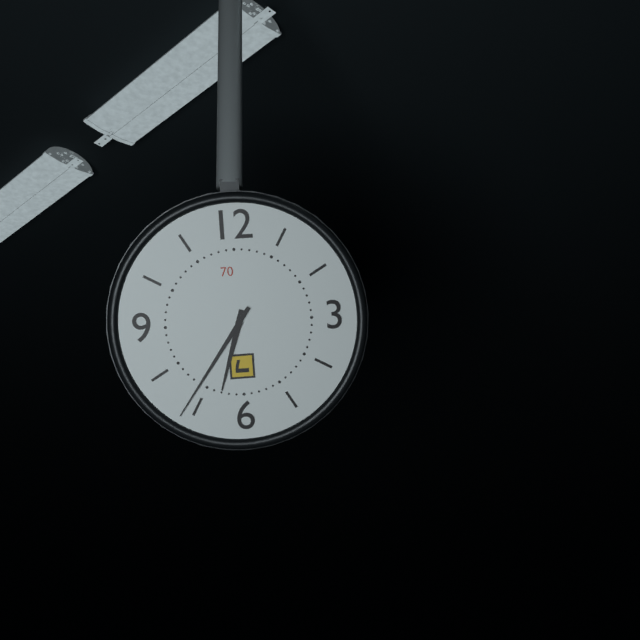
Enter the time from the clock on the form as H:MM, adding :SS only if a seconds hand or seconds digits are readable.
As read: 6:36
